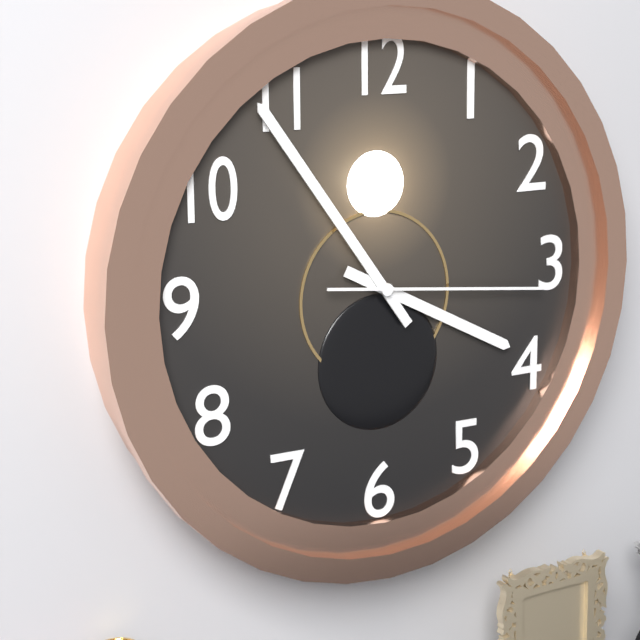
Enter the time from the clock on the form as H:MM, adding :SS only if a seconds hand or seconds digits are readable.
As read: 3:54:16
